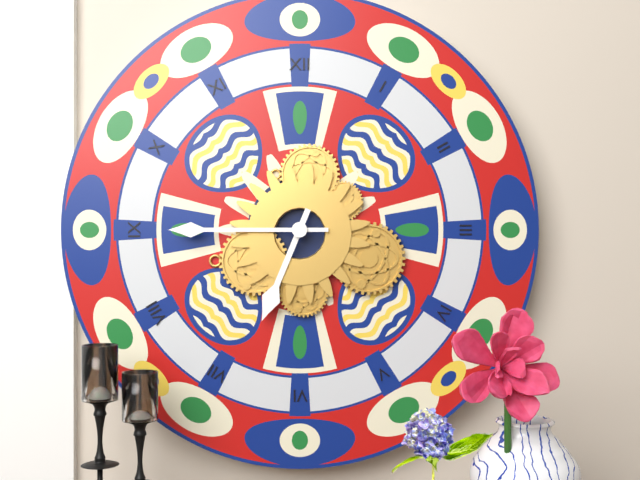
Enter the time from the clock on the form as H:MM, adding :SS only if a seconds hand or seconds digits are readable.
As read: 6:45
